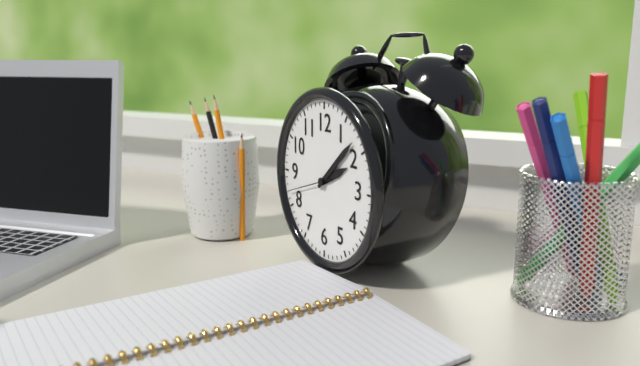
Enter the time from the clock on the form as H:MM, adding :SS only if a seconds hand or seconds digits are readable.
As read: 2:08
